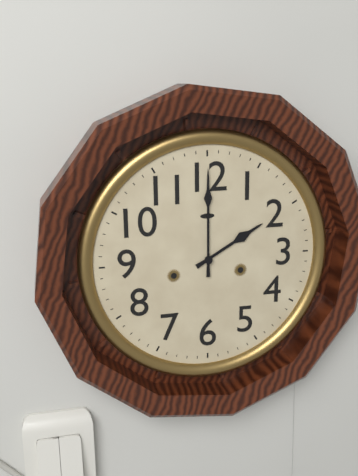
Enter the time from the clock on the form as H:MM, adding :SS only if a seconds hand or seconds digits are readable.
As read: 2:00
